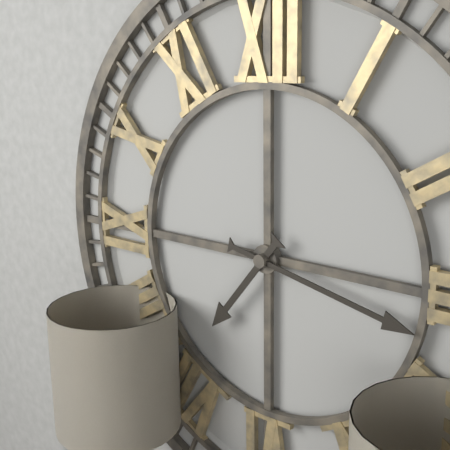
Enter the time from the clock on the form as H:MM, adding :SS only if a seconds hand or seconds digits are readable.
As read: 7:17
